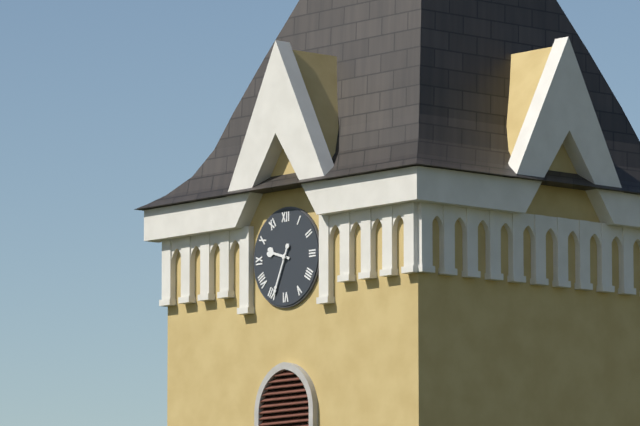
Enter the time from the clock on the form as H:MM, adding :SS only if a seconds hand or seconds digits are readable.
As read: 9:34
